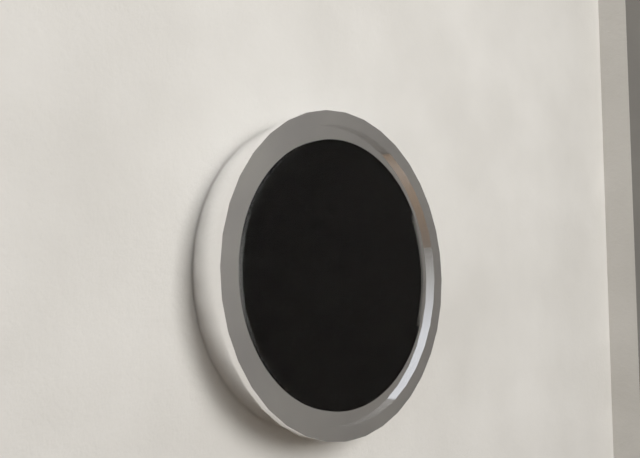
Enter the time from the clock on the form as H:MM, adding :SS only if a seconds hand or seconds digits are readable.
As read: 2:00
